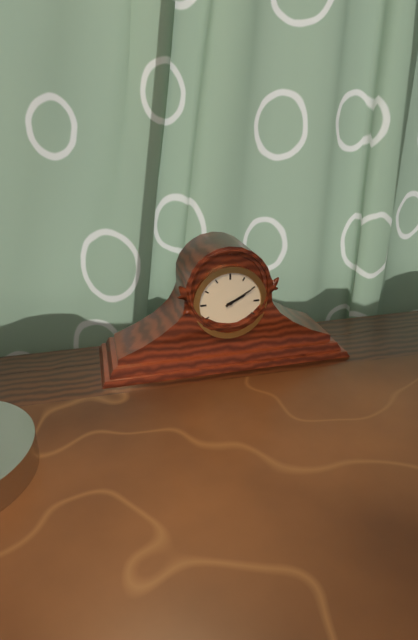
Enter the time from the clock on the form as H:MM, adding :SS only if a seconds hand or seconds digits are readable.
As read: 2:10
